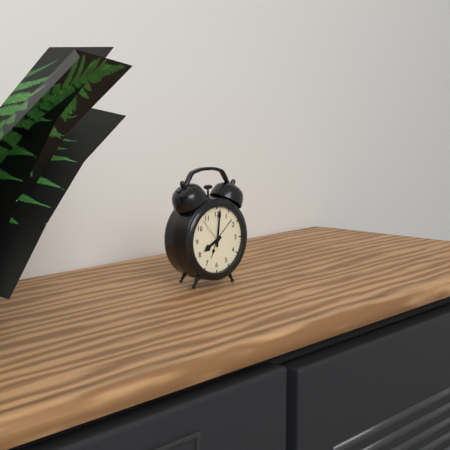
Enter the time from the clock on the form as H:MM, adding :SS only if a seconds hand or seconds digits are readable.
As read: 8:01
